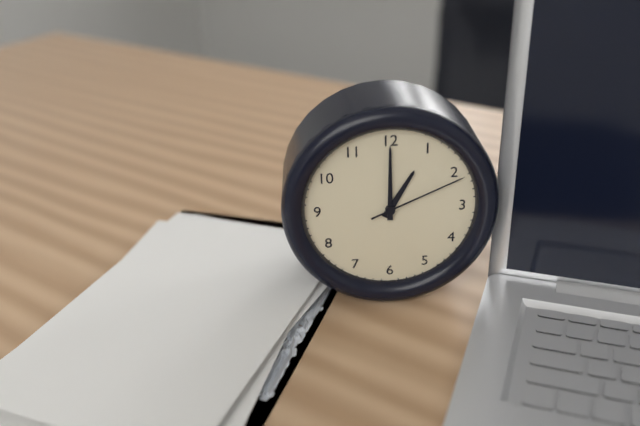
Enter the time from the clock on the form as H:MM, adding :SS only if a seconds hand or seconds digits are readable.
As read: 1:00:11
